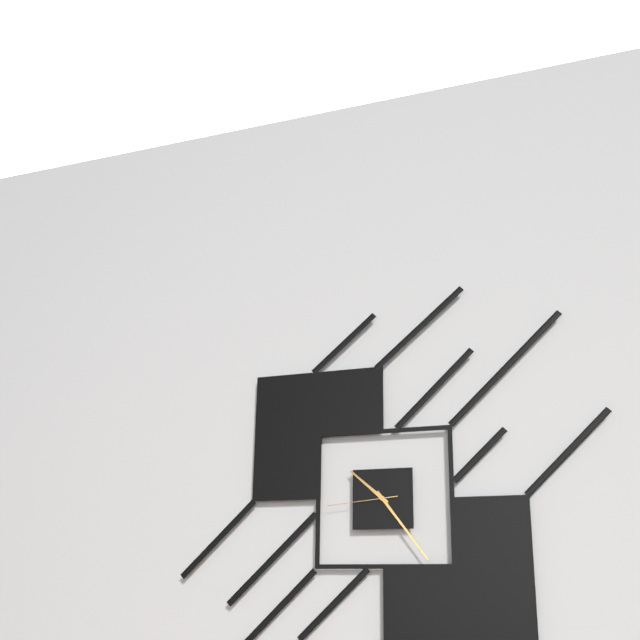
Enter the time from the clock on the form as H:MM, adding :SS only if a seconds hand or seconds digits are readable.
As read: 10:24:44
